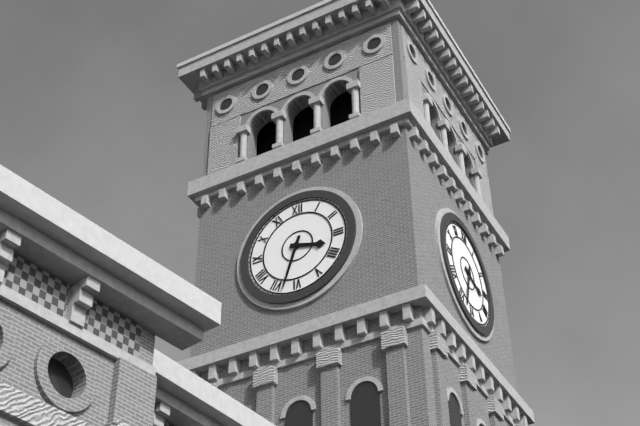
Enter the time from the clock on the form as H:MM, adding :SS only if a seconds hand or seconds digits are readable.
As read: 3:33
